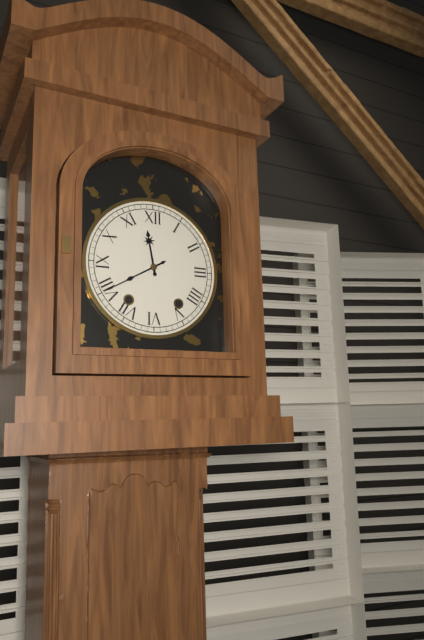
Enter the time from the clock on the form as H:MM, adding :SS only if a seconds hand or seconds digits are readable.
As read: 11:40
